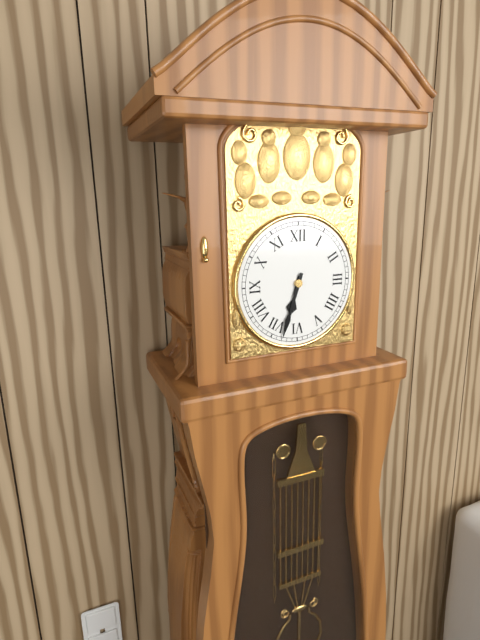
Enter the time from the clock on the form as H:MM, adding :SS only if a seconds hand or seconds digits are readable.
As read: 6:33
